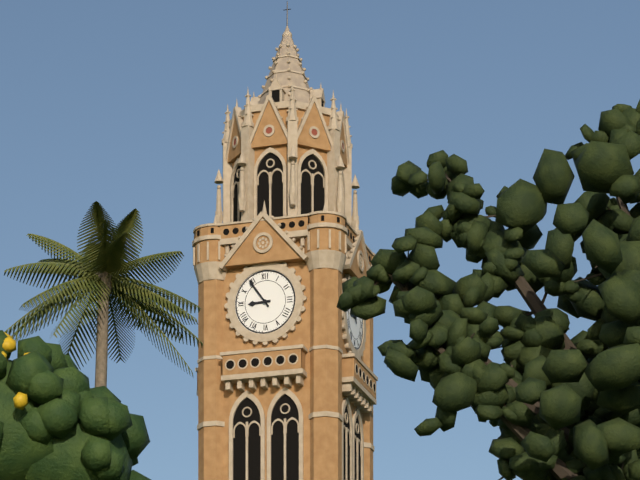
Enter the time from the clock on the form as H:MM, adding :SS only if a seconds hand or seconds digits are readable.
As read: 8:54
